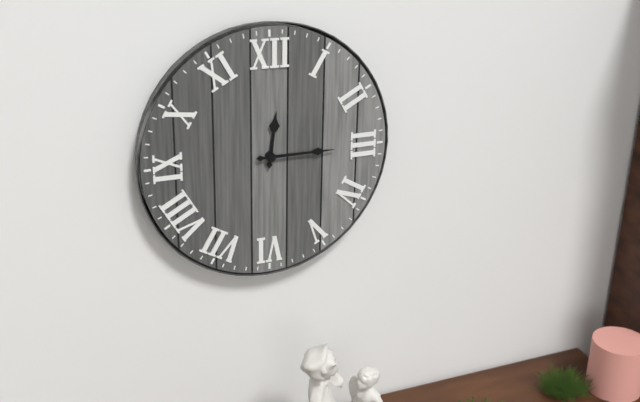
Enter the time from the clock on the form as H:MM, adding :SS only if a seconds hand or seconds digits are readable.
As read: 12:15
